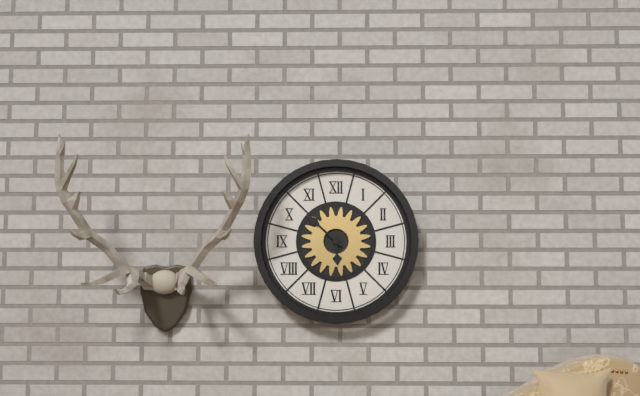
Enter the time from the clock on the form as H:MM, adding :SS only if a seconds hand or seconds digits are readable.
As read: 5:52
